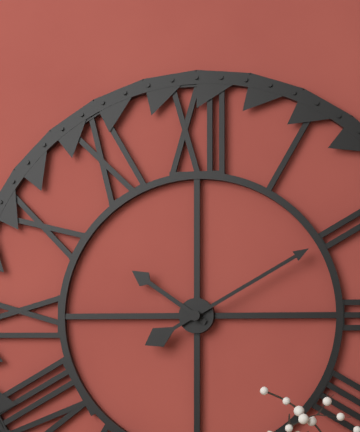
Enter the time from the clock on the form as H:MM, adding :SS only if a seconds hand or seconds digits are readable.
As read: 10:10
